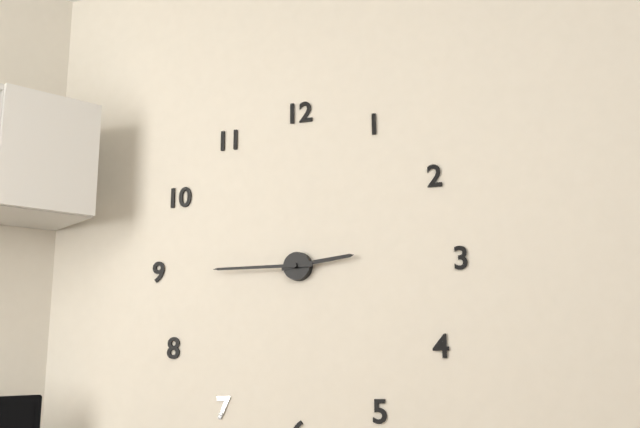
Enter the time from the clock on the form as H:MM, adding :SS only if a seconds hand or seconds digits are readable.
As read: 2:45
